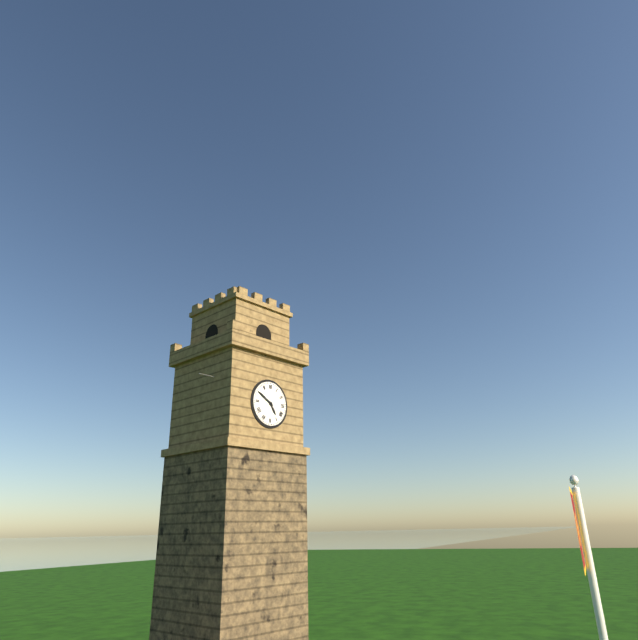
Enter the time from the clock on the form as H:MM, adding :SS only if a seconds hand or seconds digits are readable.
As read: 4:50
